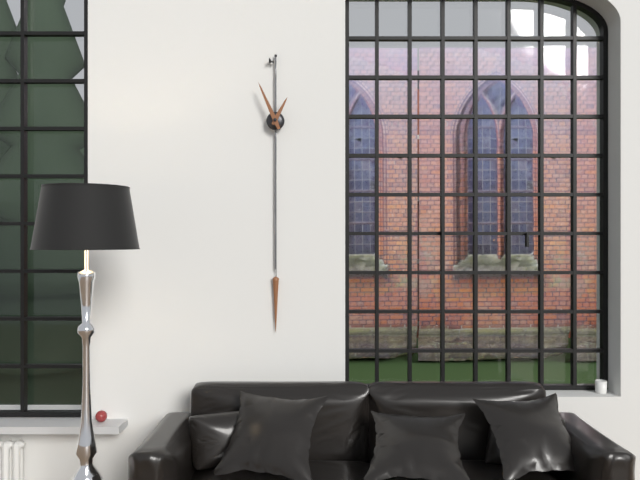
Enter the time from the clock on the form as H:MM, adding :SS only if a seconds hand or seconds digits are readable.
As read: 12:56
